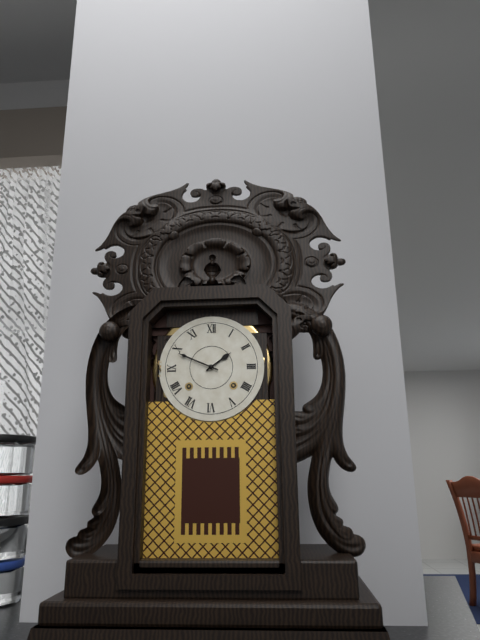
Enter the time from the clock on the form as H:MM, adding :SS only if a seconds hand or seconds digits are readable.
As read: 1:49
